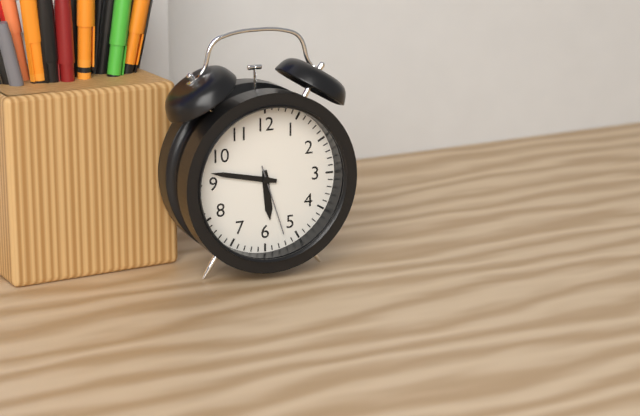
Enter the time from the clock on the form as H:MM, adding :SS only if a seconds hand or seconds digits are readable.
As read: 5:47:27
